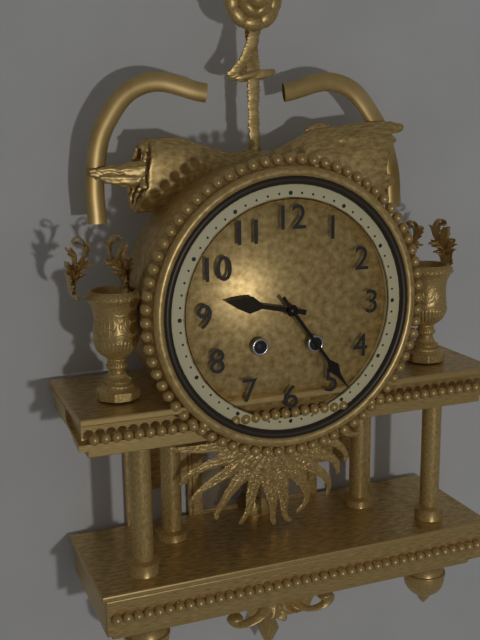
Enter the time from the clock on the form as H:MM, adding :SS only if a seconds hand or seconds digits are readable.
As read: 9:24
